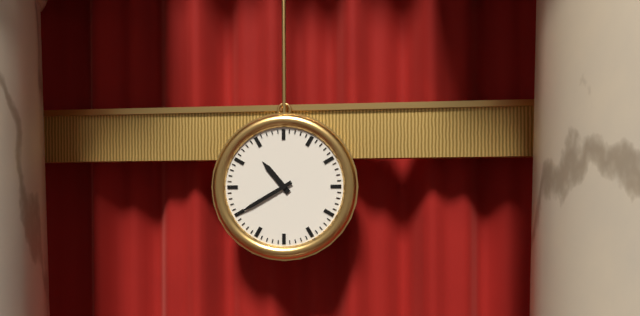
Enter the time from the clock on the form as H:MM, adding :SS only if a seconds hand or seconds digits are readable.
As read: 10:40
